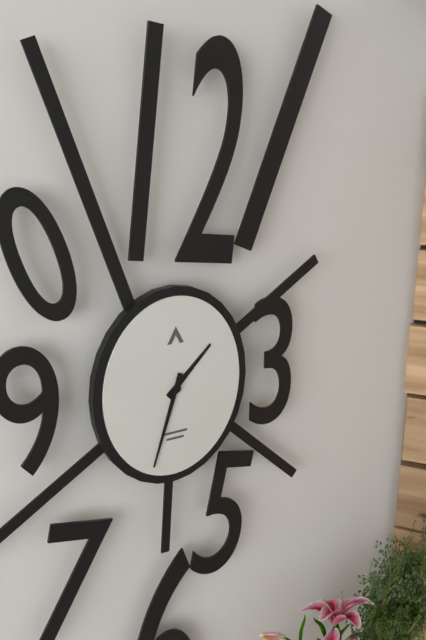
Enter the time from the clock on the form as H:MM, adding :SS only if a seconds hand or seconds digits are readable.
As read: 1:33
